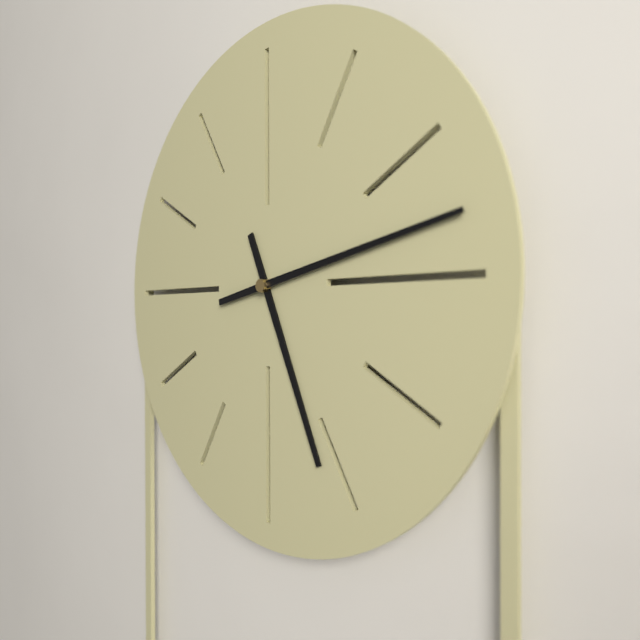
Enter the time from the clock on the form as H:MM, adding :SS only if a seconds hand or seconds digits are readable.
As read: 5:13
